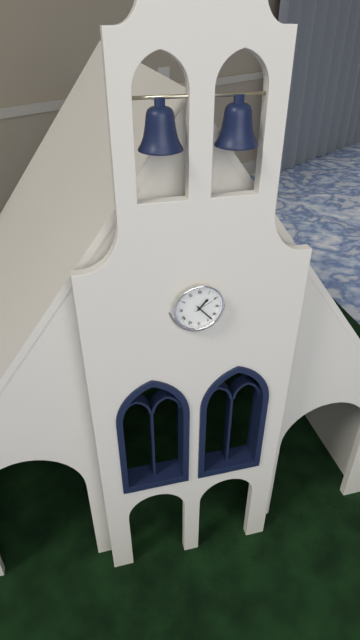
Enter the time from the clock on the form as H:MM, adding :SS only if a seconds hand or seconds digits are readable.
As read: 1:23
